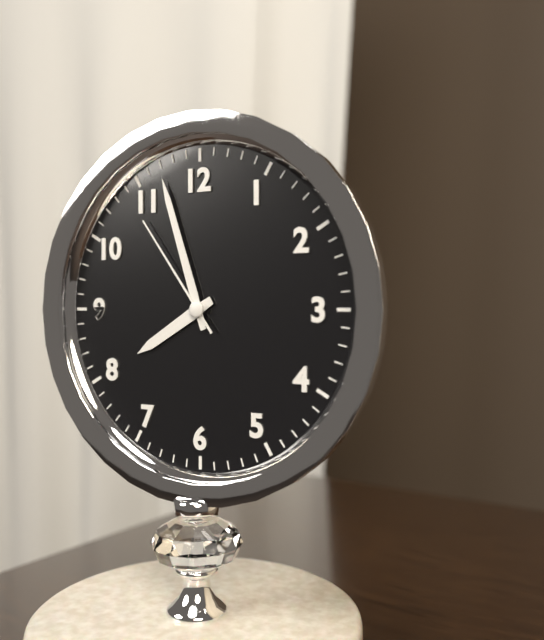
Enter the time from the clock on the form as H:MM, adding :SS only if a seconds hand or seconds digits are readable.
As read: 7:57:54
